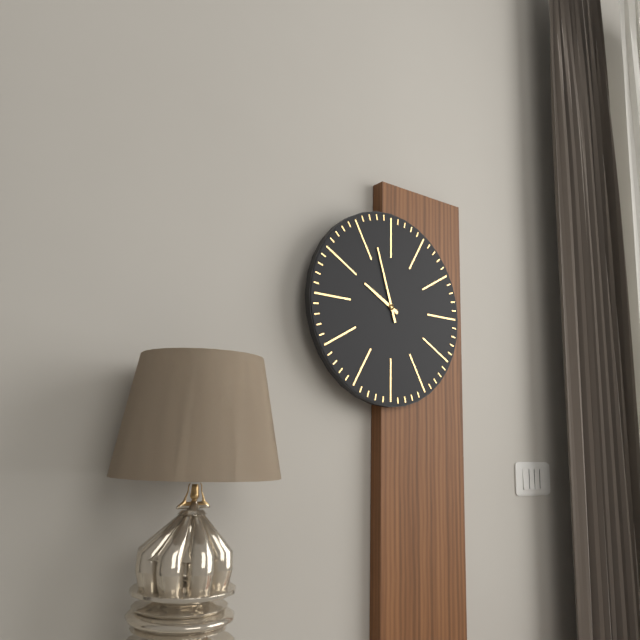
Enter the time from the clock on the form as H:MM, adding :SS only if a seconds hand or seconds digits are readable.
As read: 9:57
